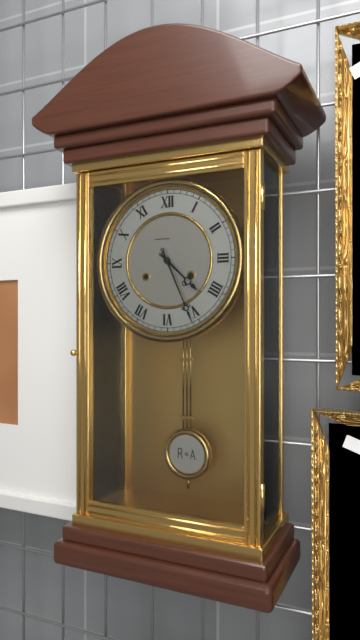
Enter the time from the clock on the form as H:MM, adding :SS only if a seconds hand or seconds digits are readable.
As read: 4:26
